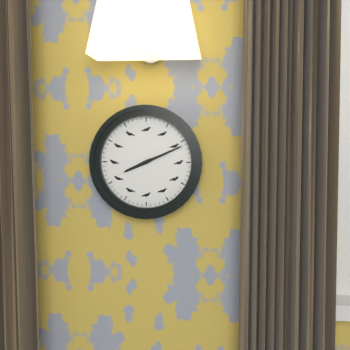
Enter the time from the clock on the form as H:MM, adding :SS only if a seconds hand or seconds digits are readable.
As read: 8:11
